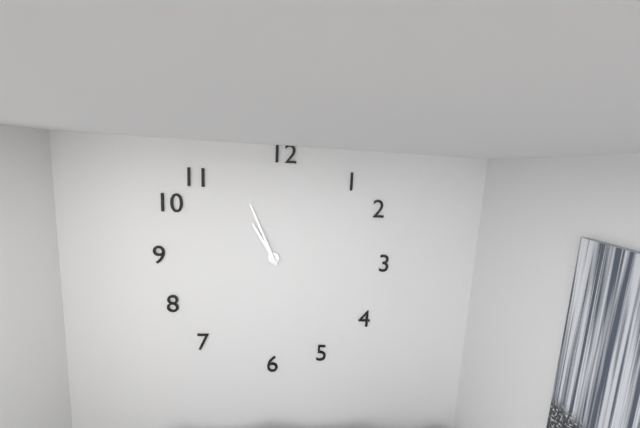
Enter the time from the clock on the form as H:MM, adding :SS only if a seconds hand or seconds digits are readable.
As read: 10:56
